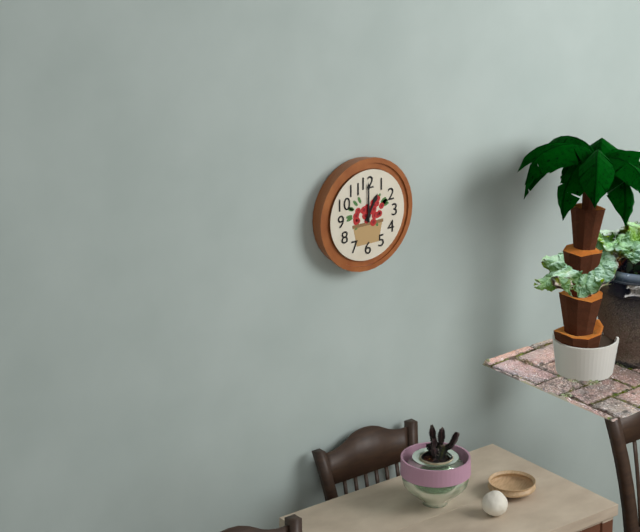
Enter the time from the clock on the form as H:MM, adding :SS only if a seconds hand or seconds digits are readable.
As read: 1:00
